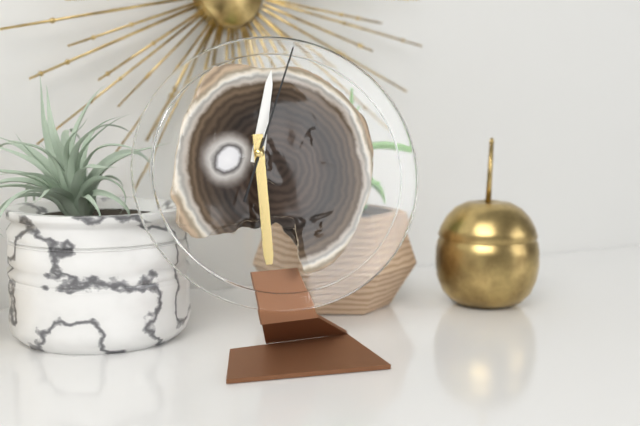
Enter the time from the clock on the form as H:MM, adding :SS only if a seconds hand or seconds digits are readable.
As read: 12:30:04
